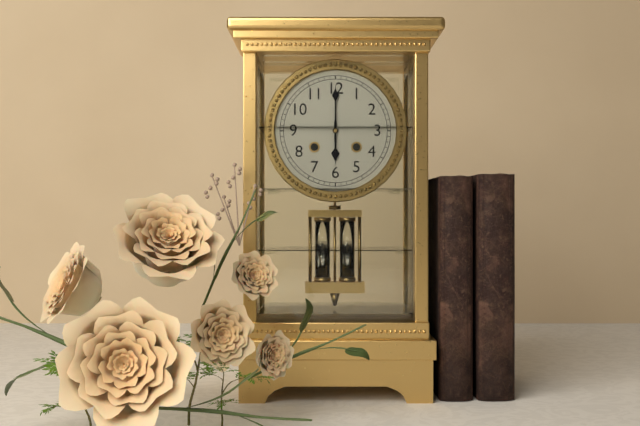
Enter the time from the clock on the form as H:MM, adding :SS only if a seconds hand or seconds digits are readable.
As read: 6:00
